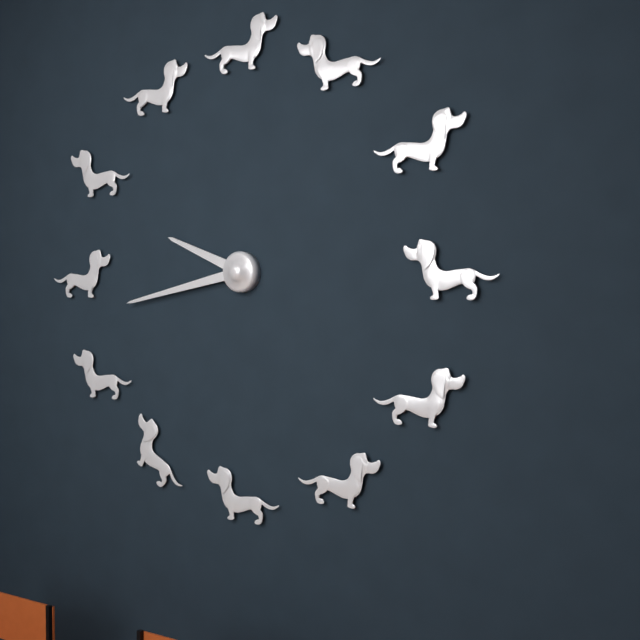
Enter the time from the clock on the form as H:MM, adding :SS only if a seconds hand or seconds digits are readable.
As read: 9:43
